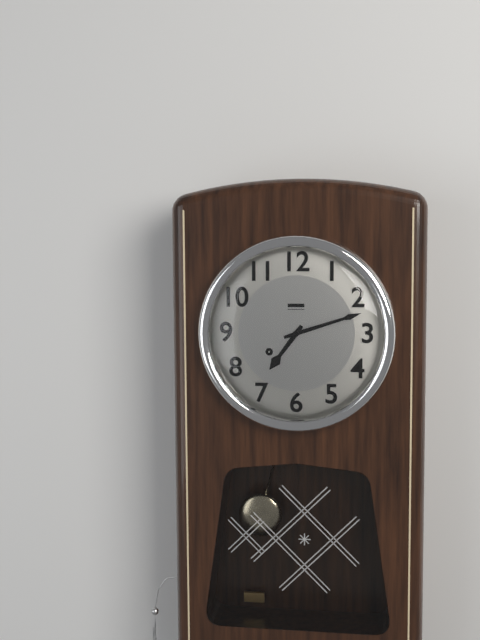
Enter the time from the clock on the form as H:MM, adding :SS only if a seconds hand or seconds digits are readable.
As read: 7:12
